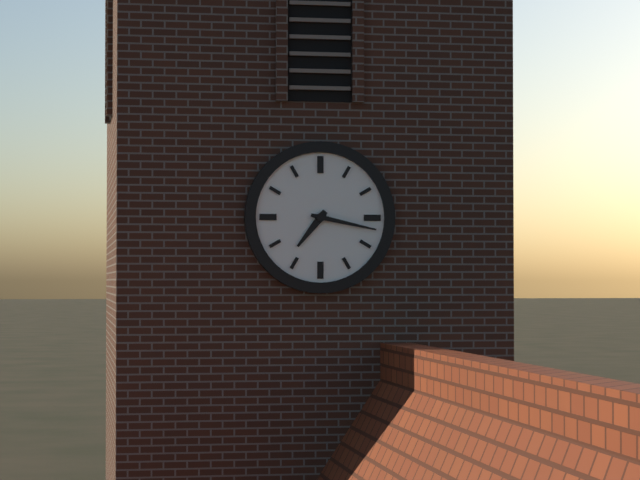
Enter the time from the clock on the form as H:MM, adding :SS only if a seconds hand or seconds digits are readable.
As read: 7:17
